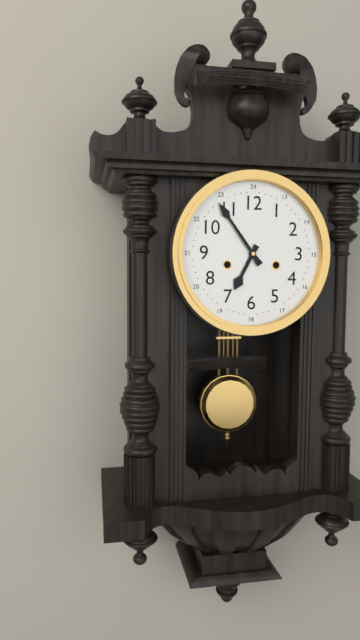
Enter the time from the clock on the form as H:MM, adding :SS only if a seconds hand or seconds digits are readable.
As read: 6:54
